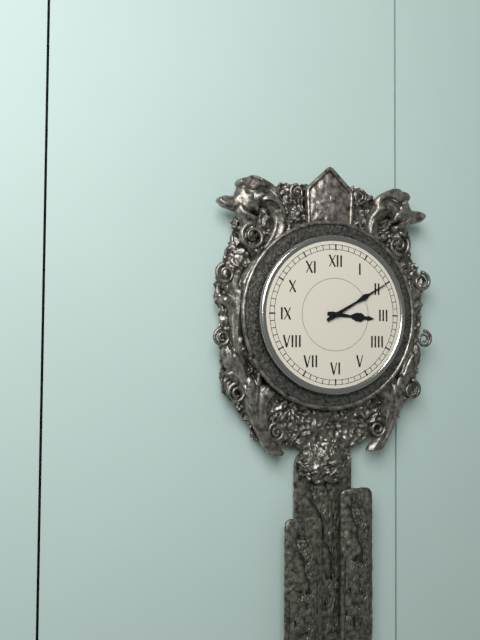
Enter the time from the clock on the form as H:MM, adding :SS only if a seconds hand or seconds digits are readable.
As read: 3:10
